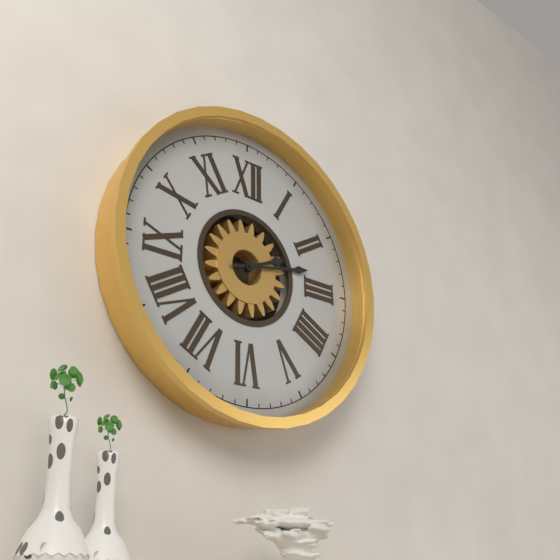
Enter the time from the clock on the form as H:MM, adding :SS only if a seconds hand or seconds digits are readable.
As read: 2:13
